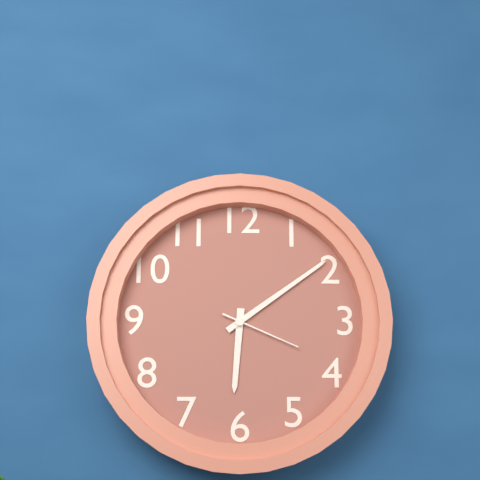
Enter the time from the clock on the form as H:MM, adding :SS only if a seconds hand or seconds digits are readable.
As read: 6:09:19
